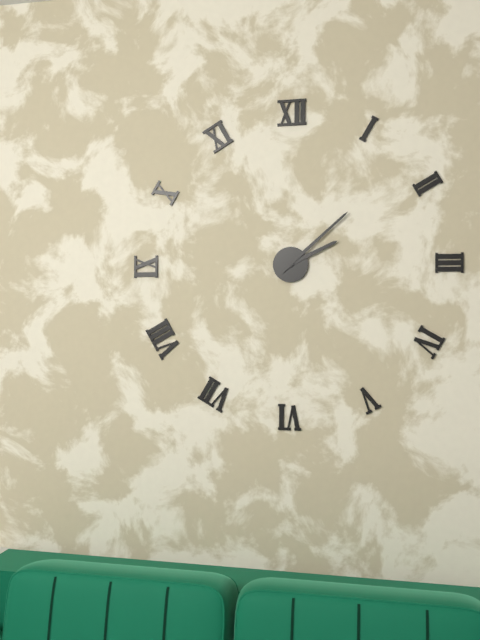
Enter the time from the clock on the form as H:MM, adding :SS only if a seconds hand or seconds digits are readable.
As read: 2:08
